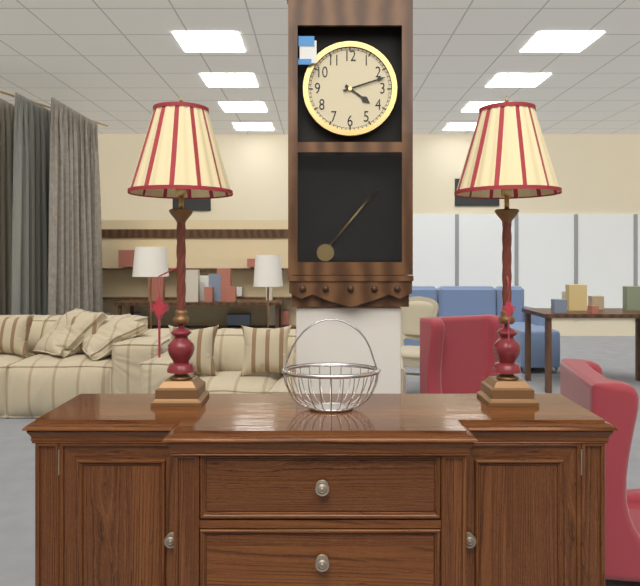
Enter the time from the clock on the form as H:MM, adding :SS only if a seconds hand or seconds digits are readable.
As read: 4:12
